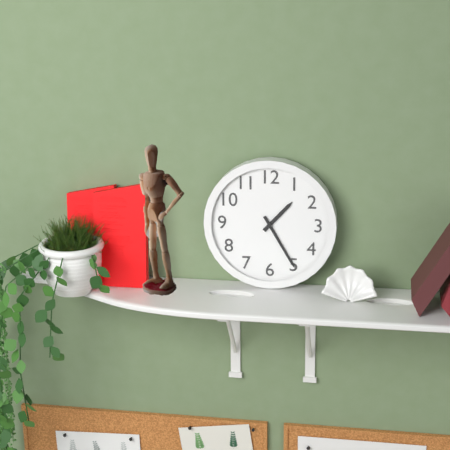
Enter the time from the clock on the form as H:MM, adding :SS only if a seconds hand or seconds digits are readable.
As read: 1:25
